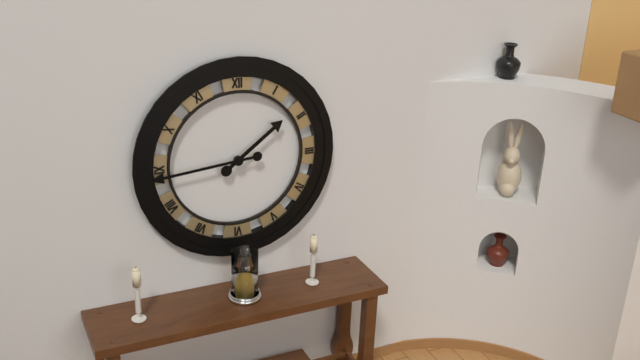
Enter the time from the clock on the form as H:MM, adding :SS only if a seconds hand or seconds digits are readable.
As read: 1:44
